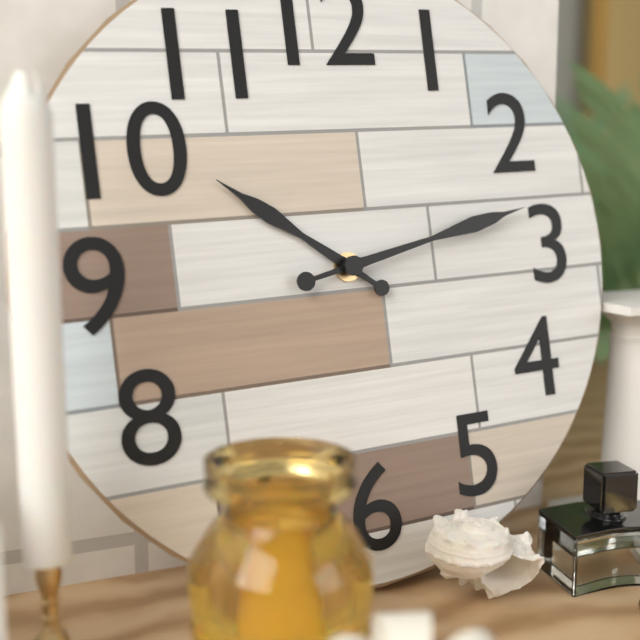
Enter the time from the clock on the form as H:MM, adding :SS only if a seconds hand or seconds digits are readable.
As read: 10:13
